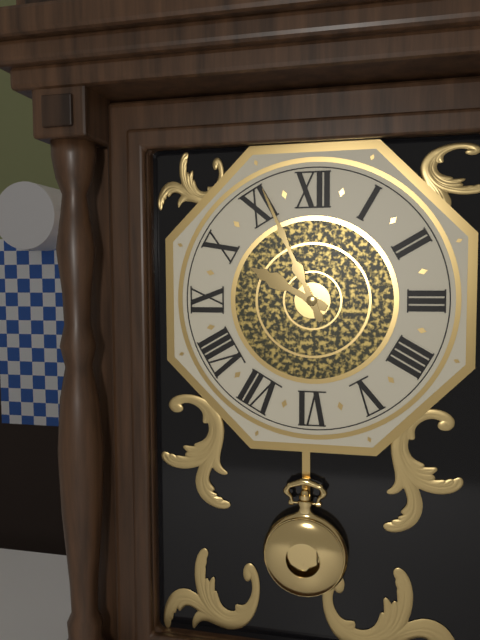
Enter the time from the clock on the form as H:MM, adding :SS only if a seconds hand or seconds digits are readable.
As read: 9:56
